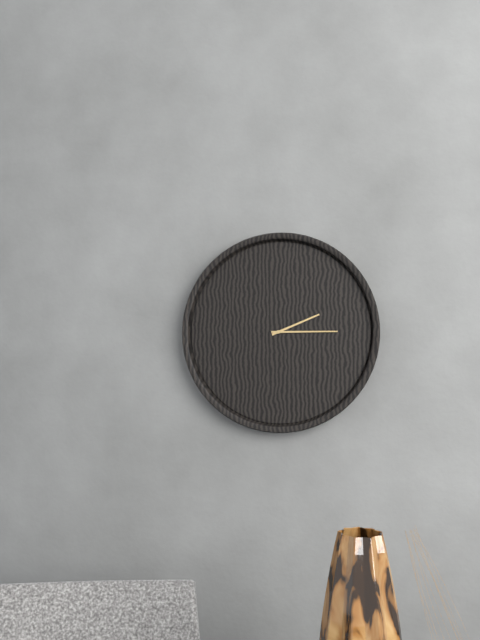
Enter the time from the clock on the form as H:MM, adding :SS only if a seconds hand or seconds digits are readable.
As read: 2:15
